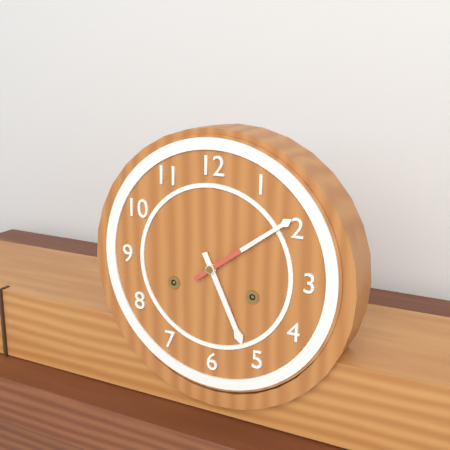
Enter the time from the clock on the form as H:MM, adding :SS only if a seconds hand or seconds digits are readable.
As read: 5:09
